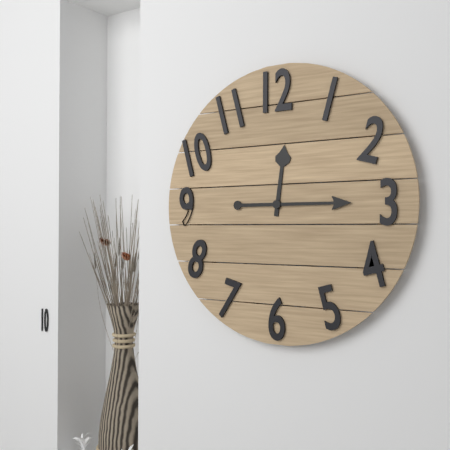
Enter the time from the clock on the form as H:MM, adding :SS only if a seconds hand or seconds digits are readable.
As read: 12:15
